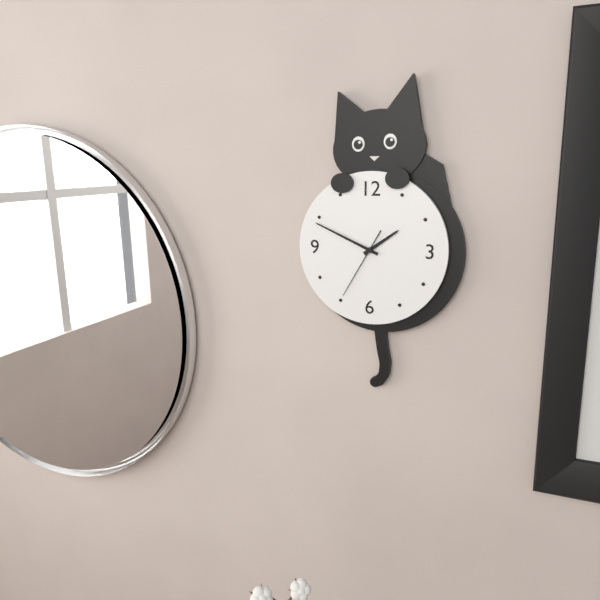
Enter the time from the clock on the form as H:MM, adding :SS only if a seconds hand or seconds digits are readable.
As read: 1:49:35
